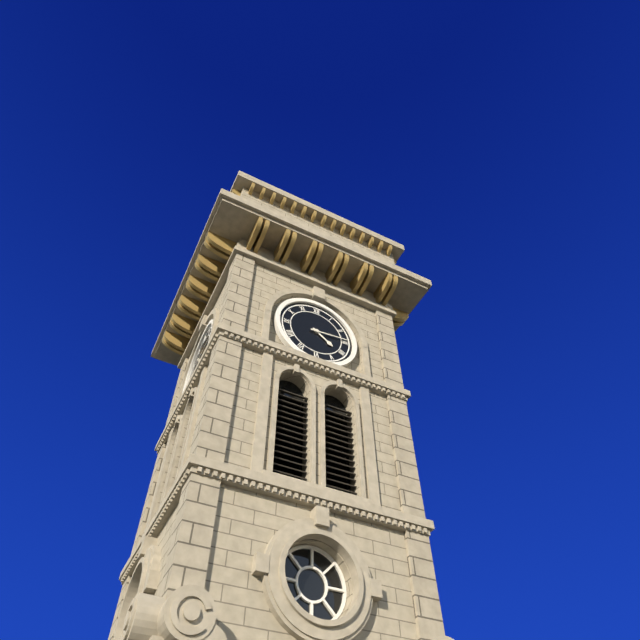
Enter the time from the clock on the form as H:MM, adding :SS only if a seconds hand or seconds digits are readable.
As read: 4:14
